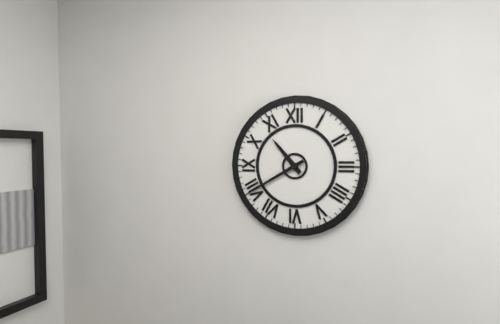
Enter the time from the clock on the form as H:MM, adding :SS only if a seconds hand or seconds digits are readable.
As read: 10:40
